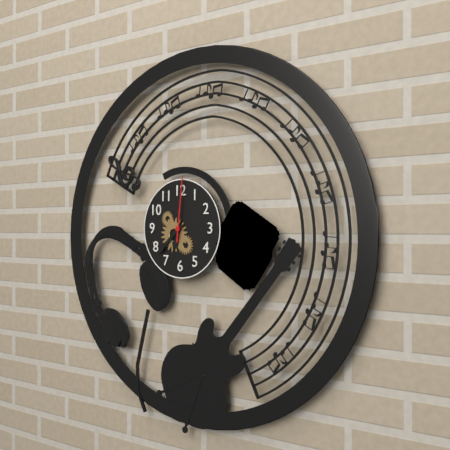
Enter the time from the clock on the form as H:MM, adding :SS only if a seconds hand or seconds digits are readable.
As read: 6:38:01
